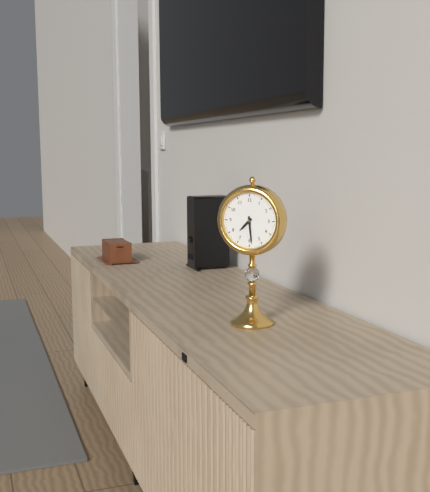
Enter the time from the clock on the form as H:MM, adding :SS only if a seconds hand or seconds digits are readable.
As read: 7:29
